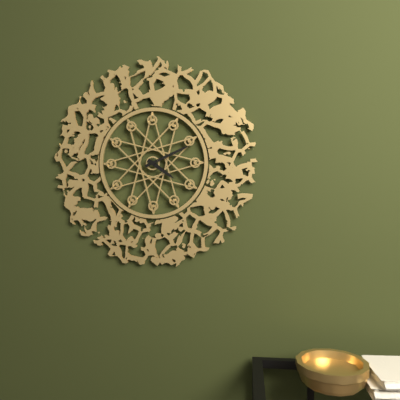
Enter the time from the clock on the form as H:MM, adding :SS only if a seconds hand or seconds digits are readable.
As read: 4:11
